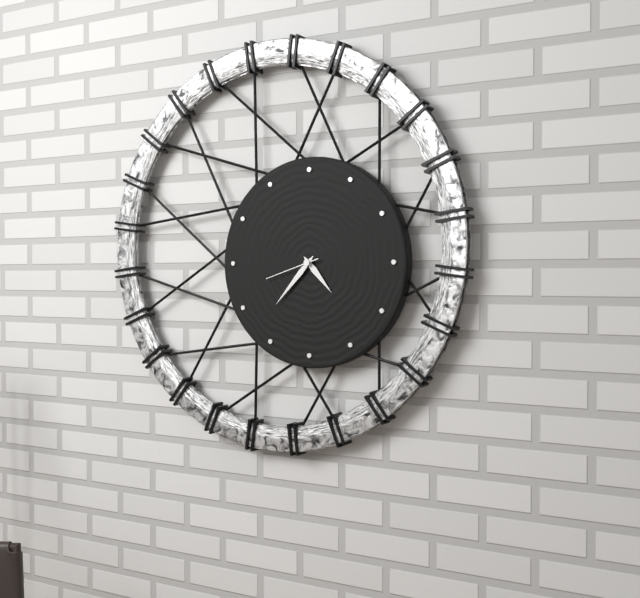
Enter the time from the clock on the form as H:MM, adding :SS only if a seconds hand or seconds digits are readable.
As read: 4:37:42
